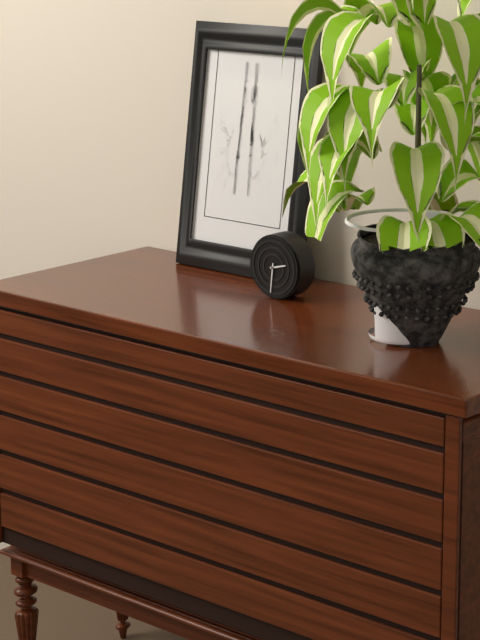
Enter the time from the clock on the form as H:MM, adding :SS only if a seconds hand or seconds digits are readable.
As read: 2:31
